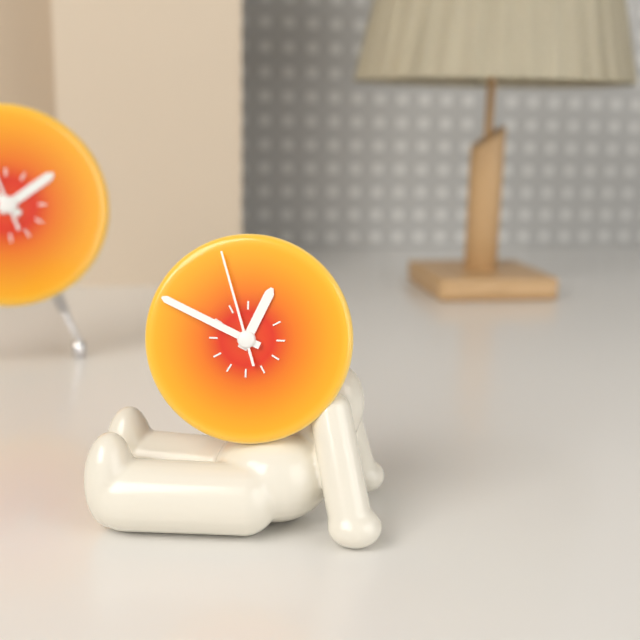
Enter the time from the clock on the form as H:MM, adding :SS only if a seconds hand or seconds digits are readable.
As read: 12:49:57
